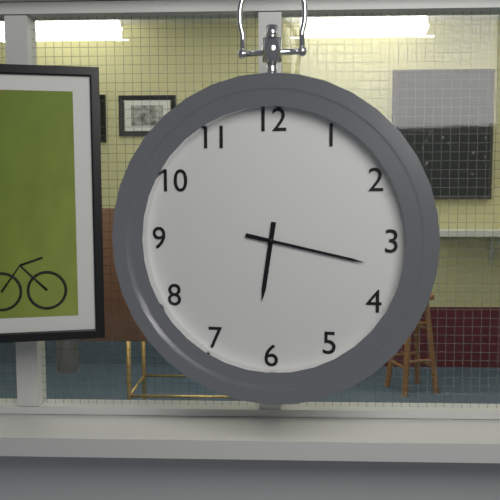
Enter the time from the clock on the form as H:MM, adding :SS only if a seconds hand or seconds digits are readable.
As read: 6:17
